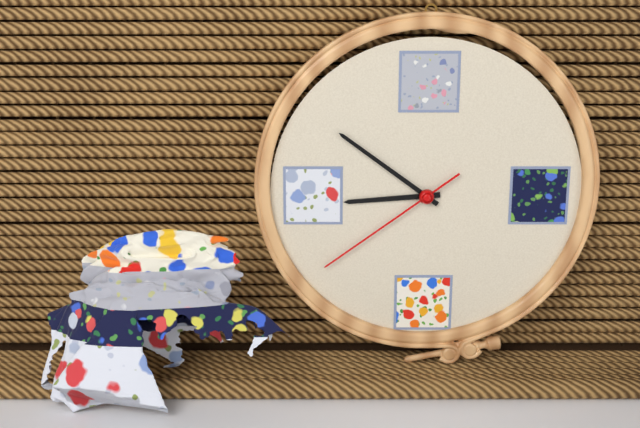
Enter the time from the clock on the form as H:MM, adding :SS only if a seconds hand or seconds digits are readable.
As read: 8:51:39
